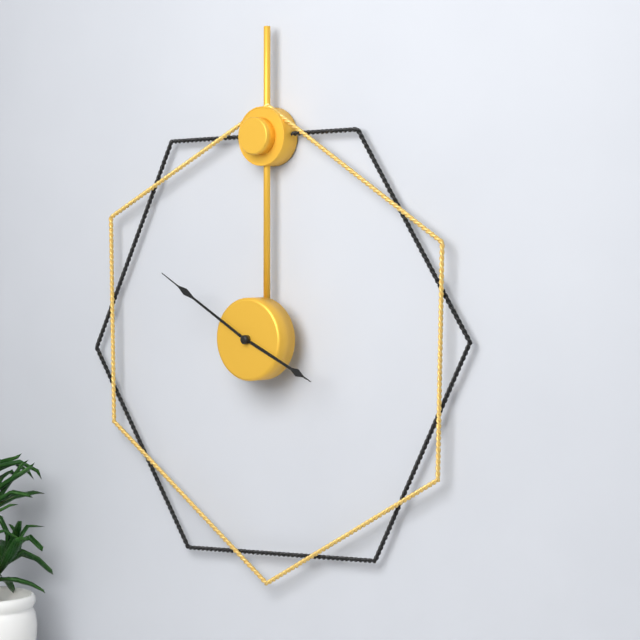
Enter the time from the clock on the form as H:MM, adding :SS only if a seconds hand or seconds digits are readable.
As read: 3:50
